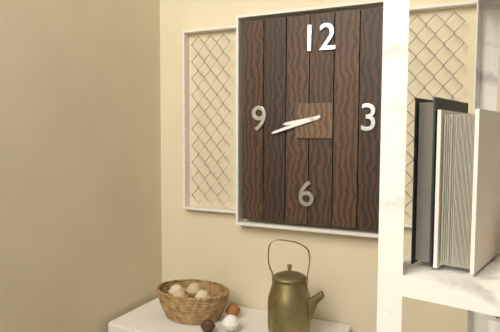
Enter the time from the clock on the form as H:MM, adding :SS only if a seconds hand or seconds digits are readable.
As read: 8:42
